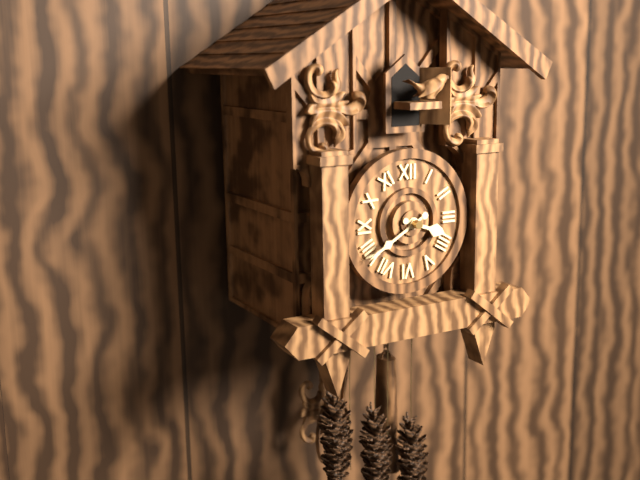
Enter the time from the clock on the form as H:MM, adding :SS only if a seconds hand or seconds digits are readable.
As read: 3:40
